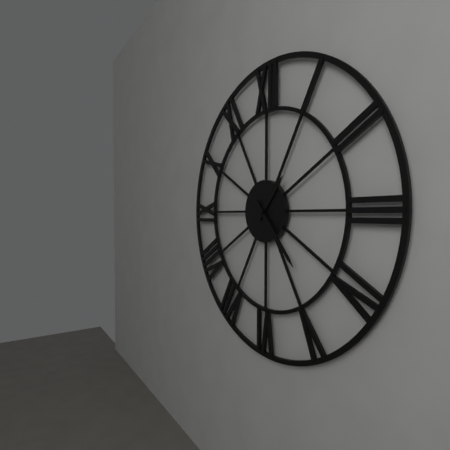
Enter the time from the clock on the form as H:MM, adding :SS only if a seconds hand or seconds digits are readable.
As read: 1:23
